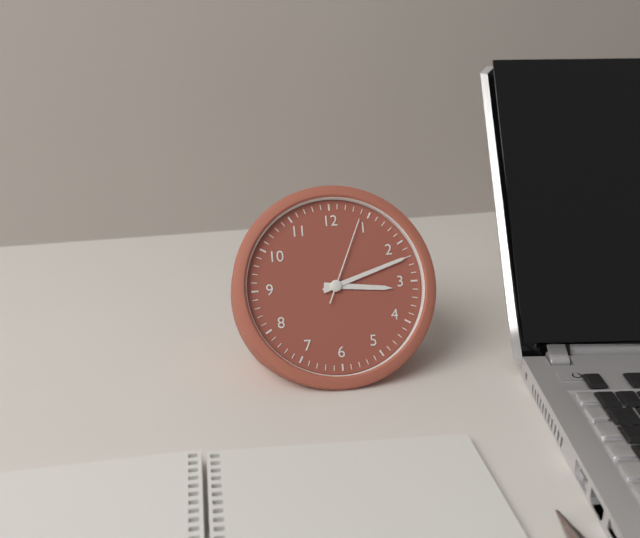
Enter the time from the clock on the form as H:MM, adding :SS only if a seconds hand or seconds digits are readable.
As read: 3:12:04
